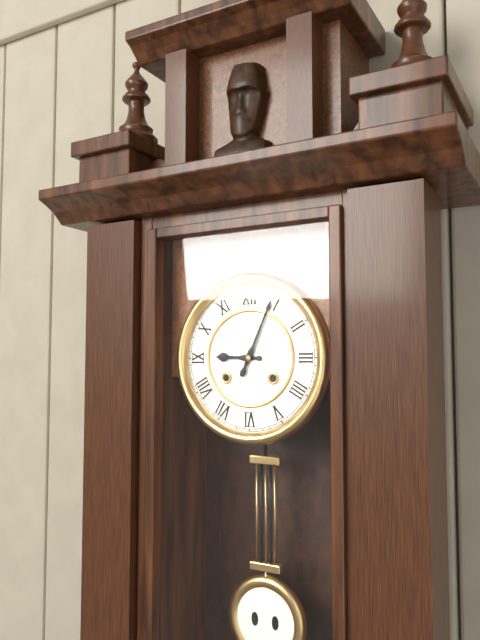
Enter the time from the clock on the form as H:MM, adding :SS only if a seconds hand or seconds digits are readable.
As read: 9:04
